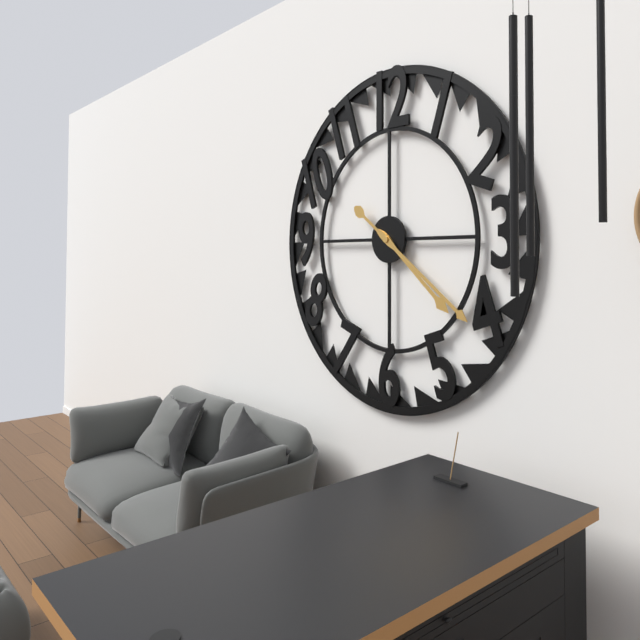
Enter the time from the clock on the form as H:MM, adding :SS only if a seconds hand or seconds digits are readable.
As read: 4:21
